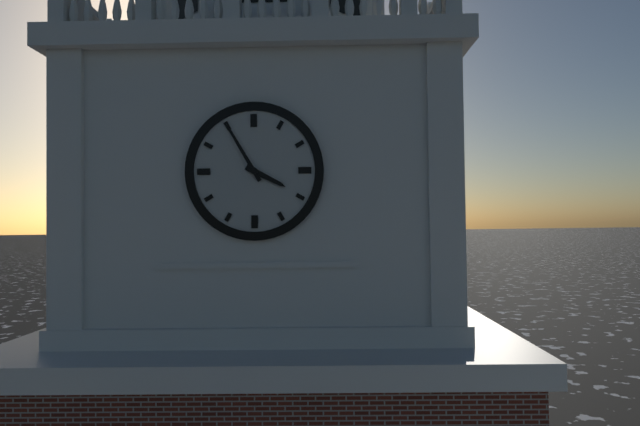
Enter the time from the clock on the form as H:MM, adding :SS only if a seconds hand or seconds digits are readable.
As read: 3:55
